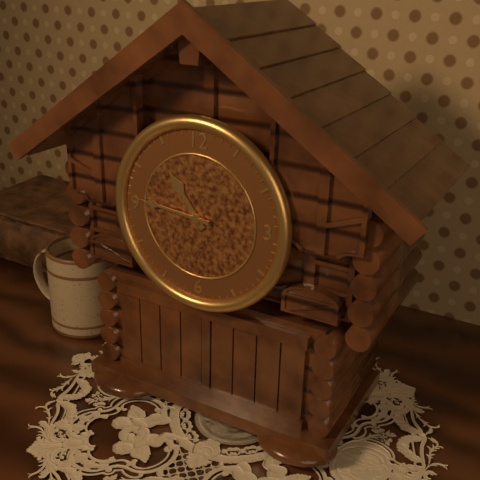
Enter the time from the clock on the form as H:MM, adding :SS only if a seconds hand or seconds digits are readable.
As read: 10:46
